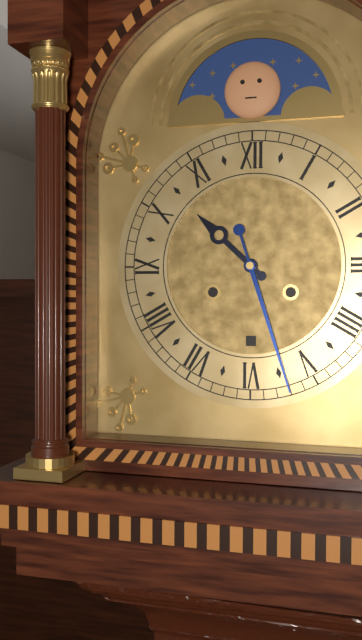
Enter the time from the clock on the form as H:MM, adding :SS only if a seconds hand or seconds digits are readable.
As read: 10:27
